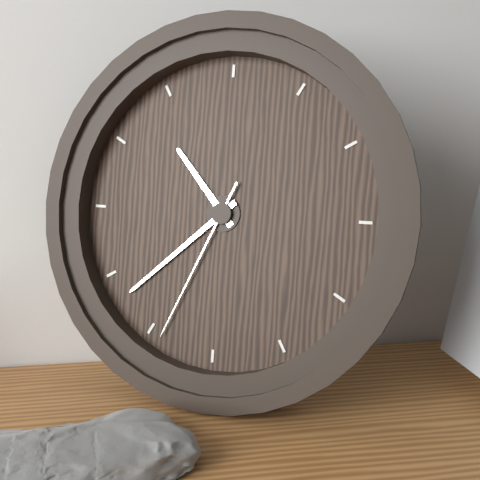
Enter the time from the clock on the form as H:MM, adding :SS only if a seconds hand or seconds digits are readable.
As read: 10:38:34
